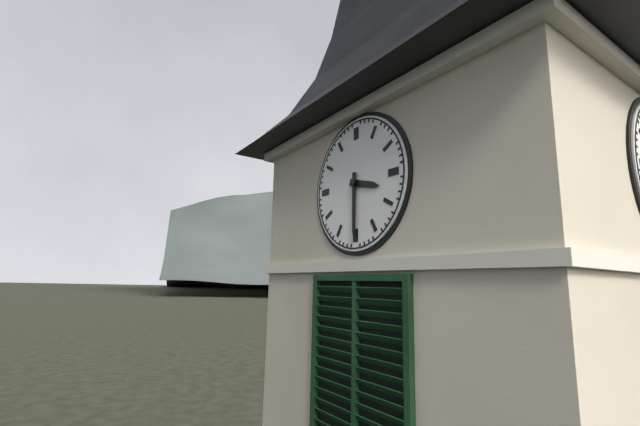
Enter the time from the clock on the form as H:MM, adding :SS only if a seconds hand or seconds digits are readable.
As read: 3:30
